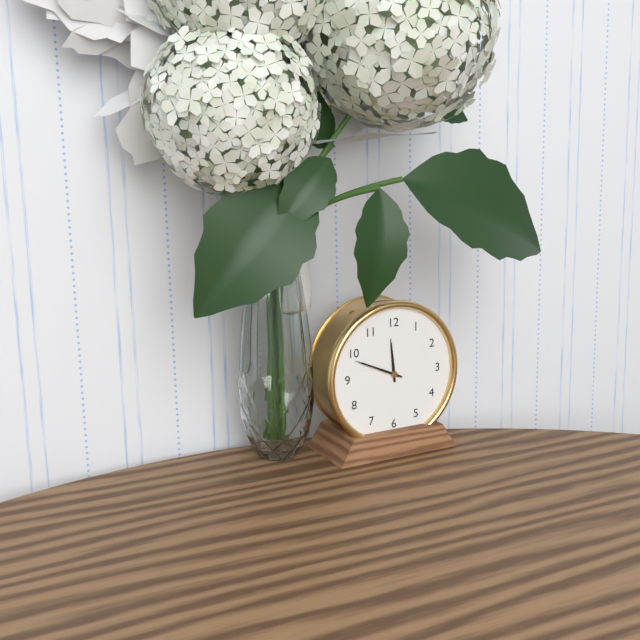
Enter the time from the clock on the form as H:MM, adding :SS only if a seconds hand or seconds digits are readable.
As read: 11:49
